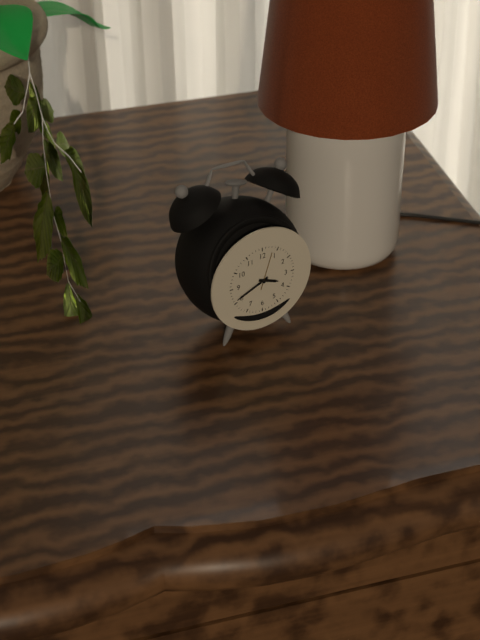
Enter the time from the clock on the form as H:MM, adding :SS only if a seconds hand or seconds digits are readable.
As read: 3:41
